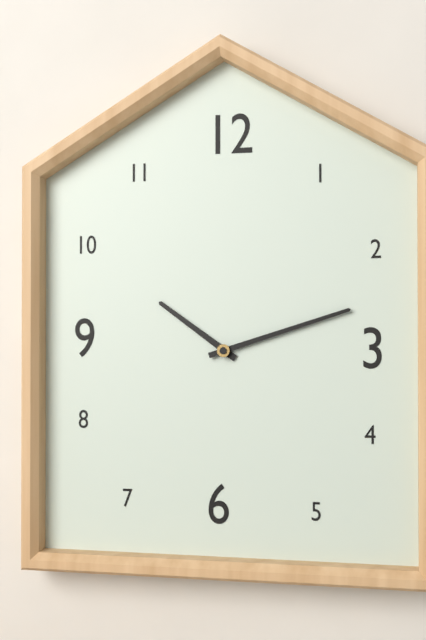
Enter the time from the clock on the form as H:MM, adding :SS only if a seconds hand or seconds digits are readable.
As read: 10:12
